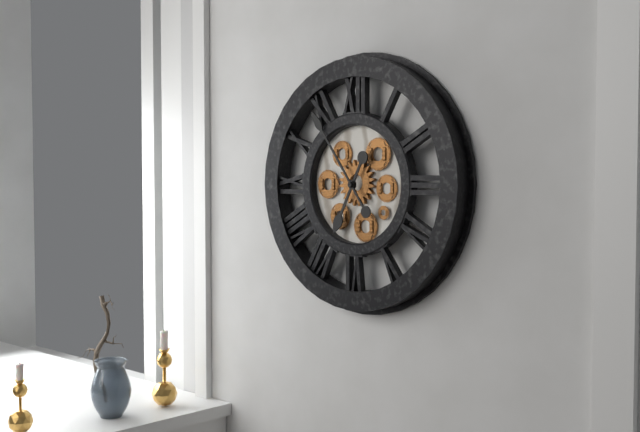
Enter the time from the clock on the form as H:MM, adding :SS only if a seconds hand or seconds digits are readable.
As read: 6:54
